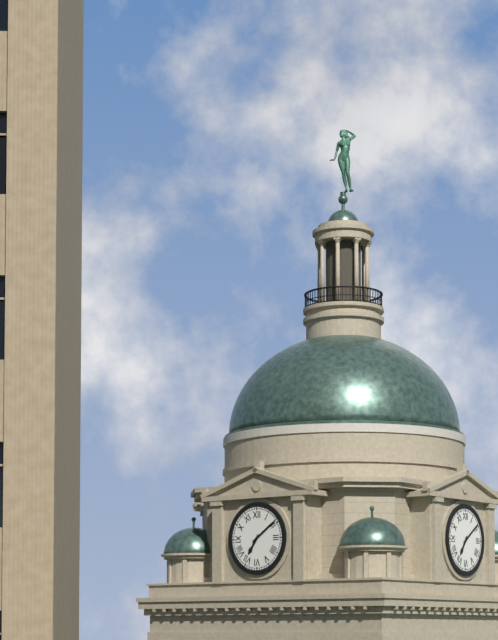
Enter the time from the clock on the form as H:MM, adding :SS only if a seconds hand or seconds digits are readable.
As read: 7:09
